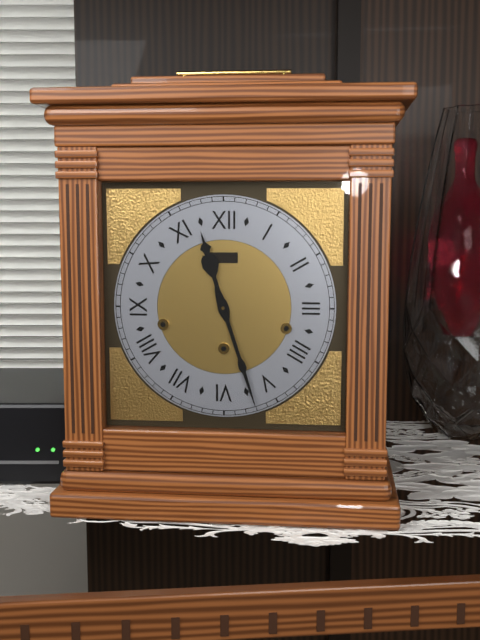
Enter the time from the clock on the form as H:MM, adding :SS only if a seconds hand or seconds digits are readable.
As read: 11:27
